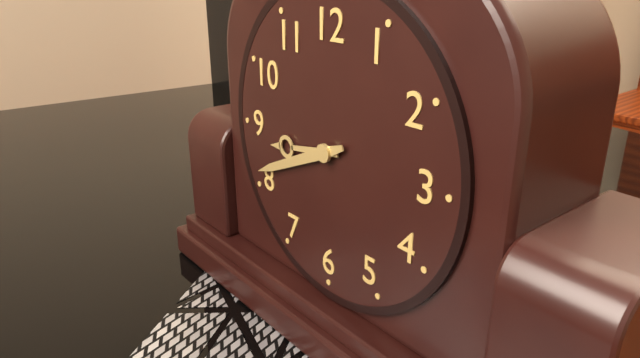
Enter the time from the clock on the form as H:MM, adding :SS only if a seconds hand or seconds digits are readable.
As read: 8:41
